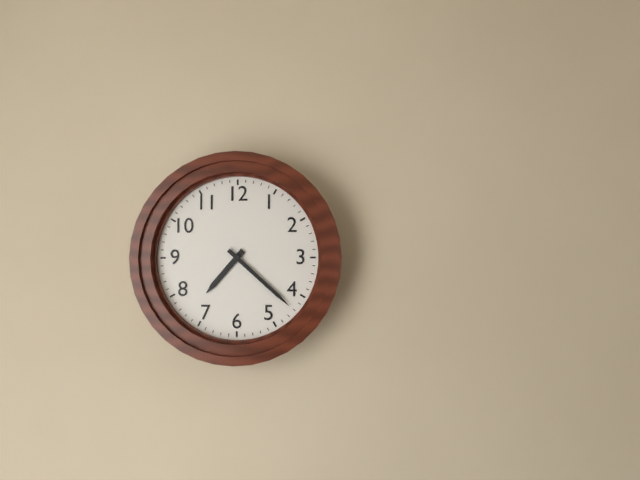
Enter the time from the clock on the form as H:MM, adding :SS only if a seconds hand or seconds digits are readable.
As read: 7:22
